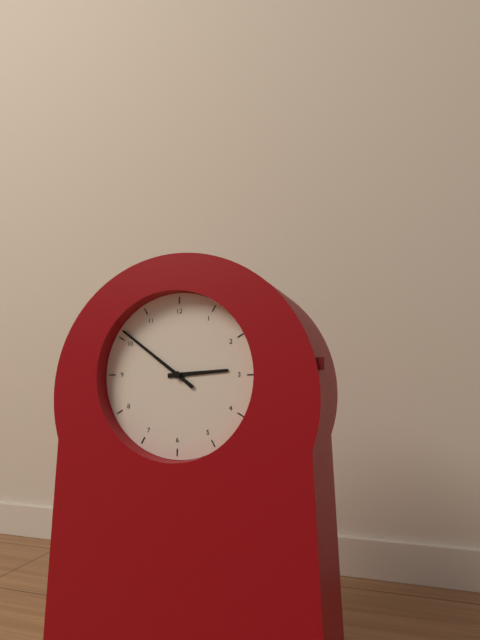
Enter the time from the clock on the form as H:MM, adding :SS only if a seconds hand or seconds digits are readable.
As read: 2:51
